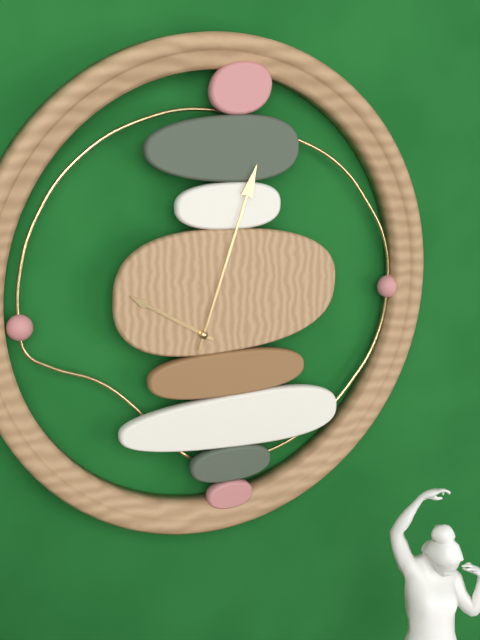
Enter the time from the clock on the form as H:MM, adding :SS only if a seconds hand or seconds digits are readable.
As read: 10:03
